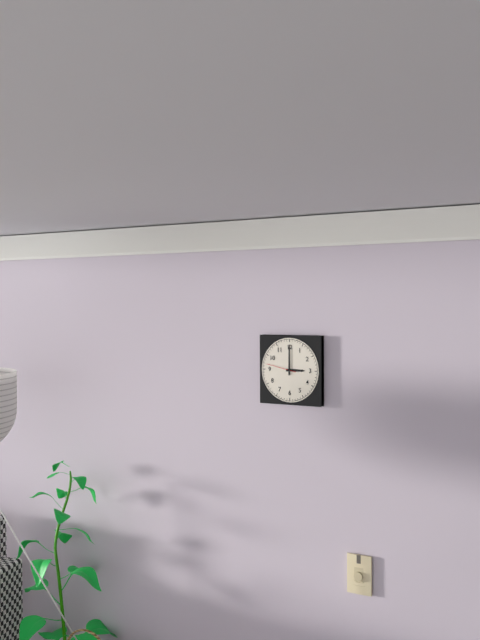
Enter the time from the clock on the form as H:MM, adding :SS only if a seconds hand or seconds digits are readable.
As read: 3:00
